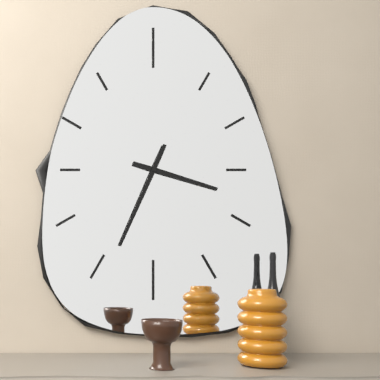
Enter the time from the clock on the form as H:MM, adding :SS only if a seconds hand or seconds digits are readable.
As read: 3:34
